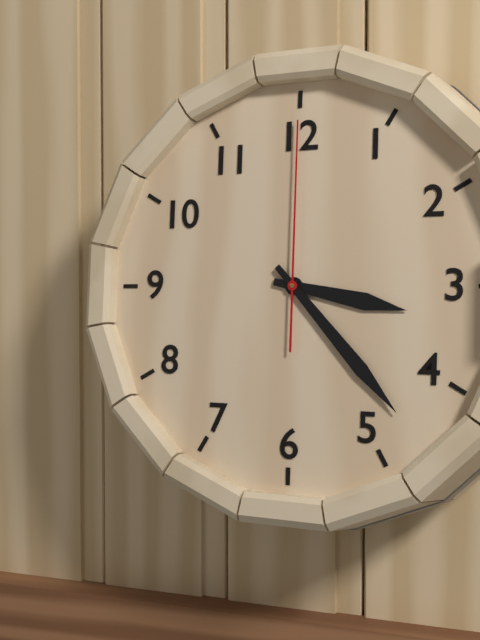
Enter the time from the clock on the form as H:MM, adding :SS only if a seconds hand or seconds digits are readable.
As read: 3:23:00
